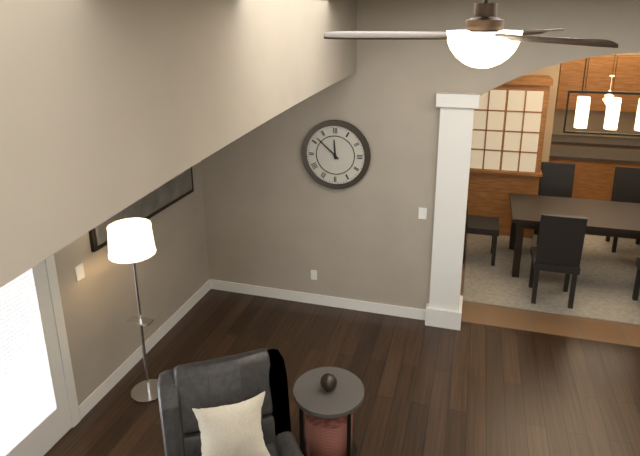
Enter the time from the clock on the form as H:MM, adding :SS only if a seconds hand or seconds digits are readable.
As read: 11:52
